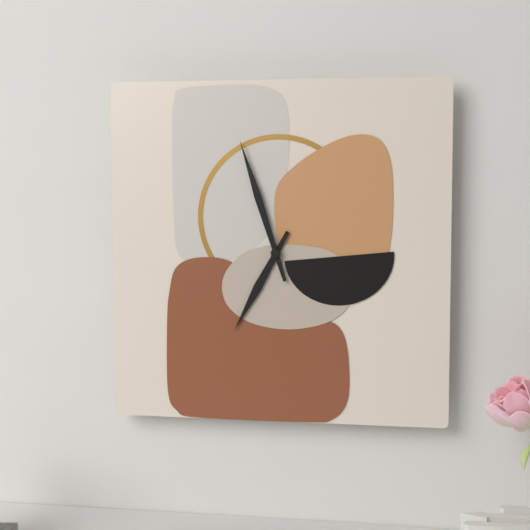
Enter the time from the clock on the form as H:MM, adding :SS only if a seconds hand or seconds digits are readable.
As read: 6:57
